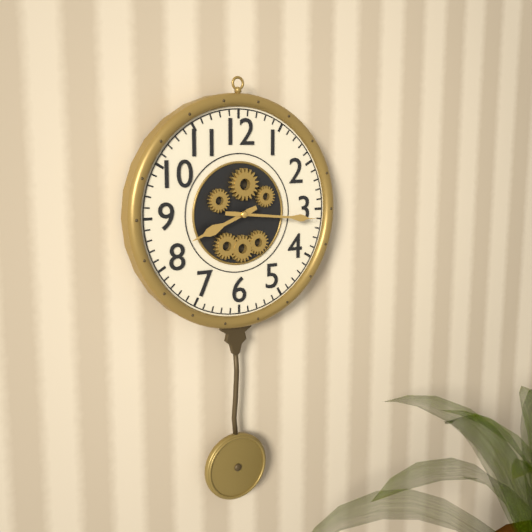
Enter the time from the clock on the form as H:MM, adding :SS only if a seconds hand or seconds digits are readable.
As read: 8:16
